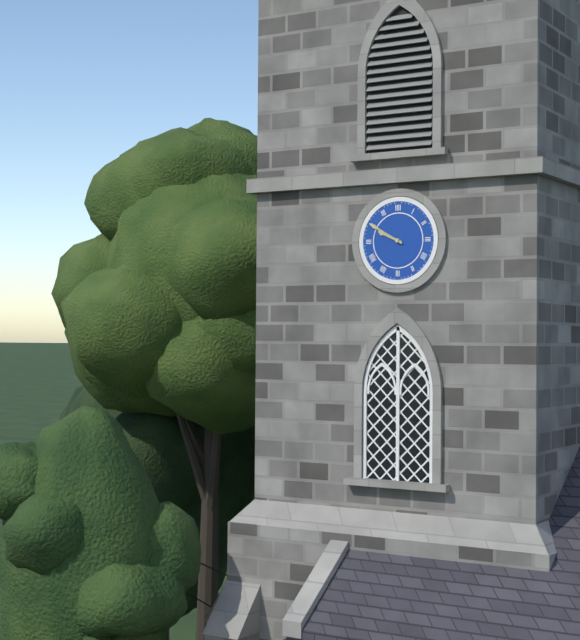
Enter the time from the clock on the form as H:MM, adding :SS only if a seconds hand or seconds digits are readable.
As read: 9:50
